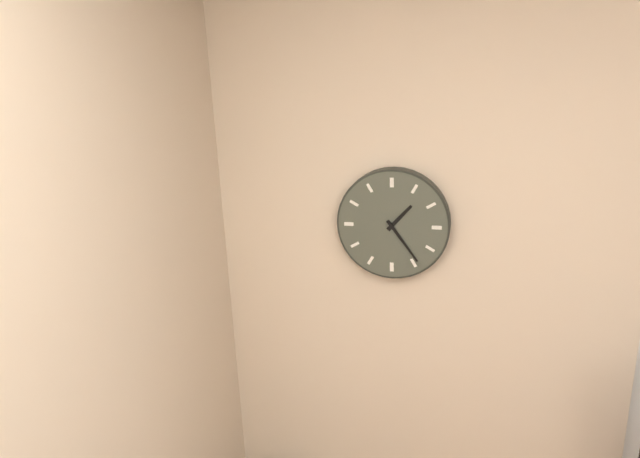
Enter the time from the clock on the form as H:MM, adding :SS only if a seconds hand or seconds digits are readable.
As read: 1:24
